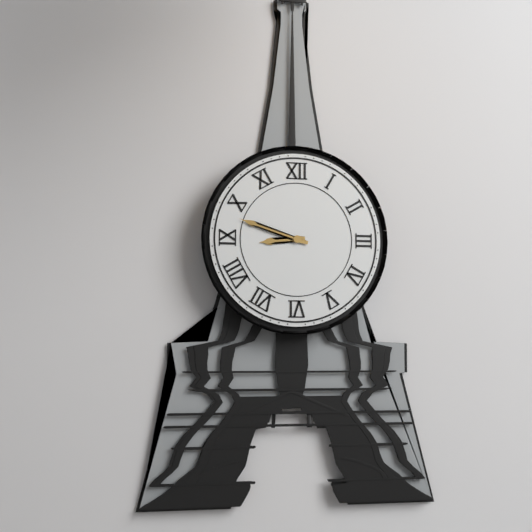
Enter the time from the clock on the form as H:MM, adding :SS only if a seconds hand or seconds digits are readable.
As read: 8:48
